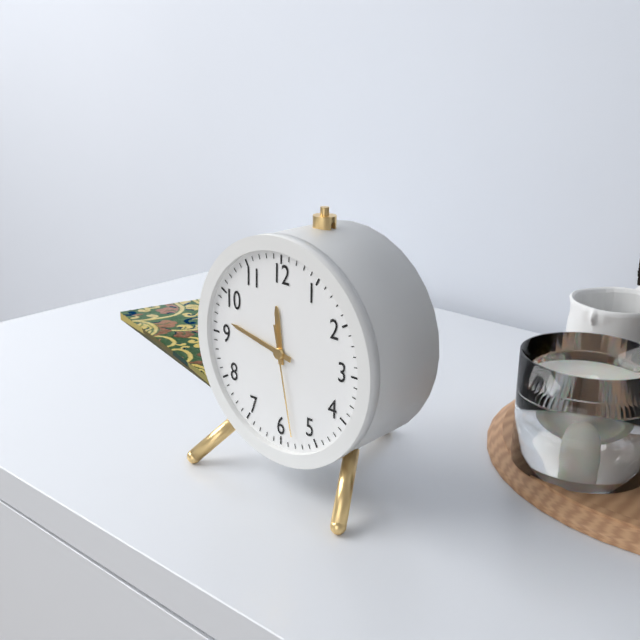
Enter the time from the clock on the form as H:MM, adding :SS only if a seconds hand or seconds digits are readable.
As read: 11:47:28
